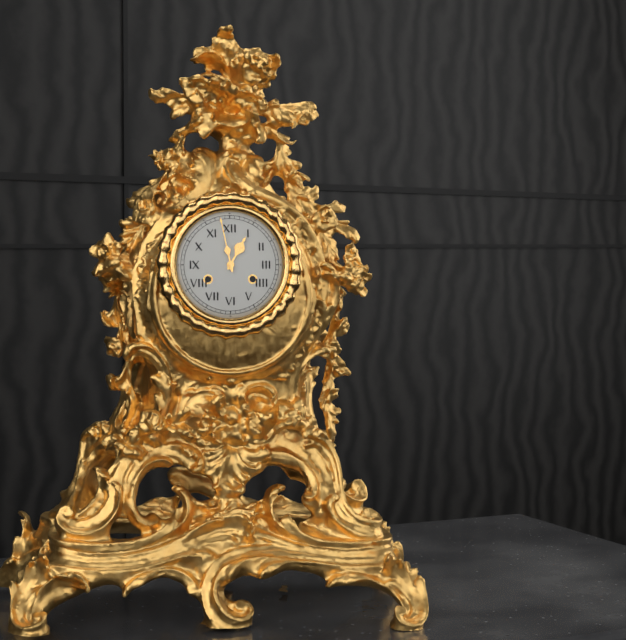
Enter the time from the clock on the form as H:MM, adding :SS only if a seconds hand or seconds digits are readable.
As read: 12:58
